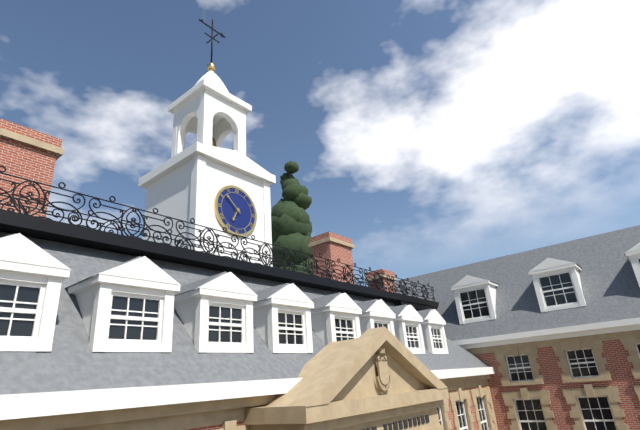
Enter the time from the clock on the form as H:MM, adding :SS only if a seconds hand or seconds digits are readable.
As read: 6:52
